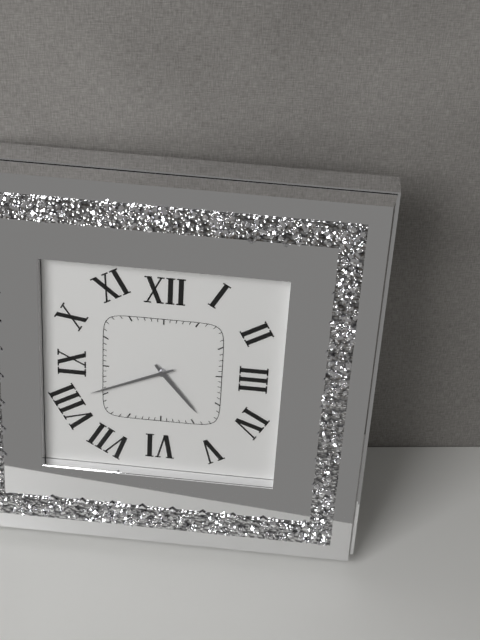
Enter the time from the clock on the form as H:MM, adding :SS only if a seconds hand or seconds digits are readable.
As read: 4:41
